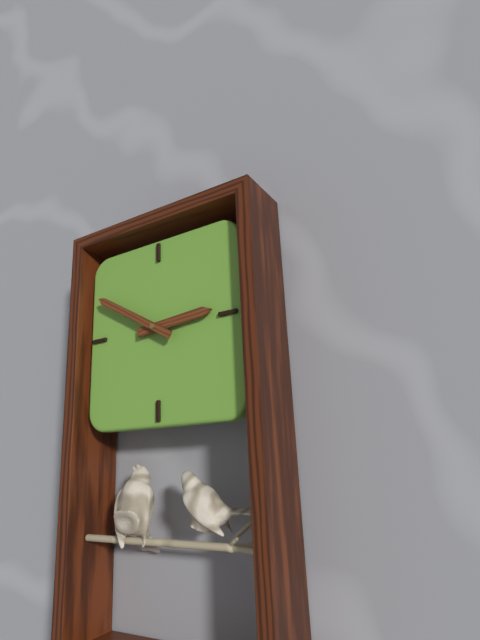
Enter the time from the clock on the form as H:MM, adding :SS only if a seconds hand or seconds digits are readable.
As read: 2:50
